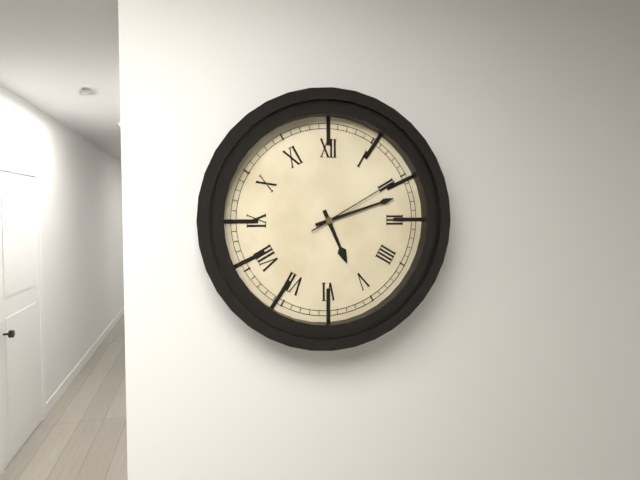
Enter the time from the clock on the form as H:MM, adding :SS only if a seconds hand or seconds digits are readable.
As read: 5:12:10
